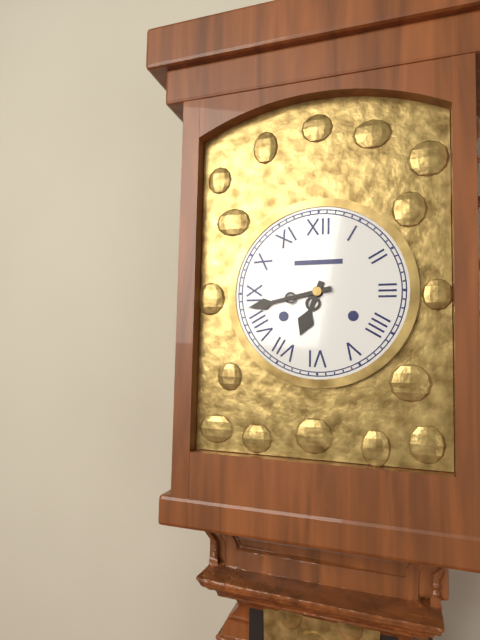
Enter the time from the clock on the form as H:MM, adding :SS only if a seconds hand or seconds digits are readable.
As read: 6:43
